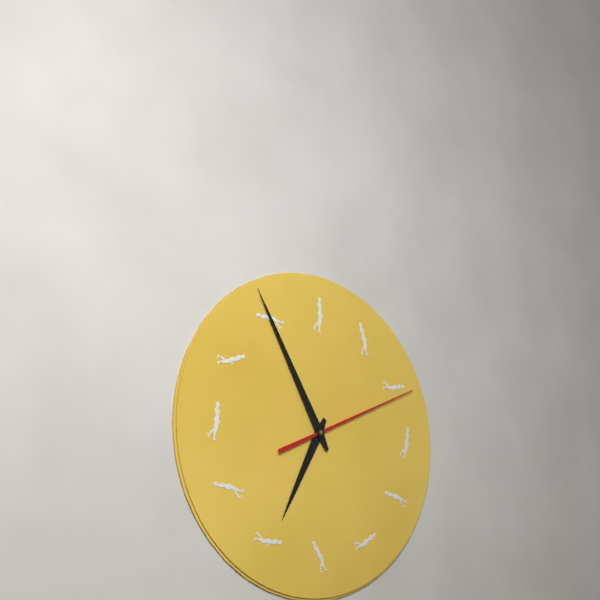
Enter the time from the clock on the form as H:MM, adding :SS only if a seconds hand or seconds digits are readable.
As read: 6:55:11
